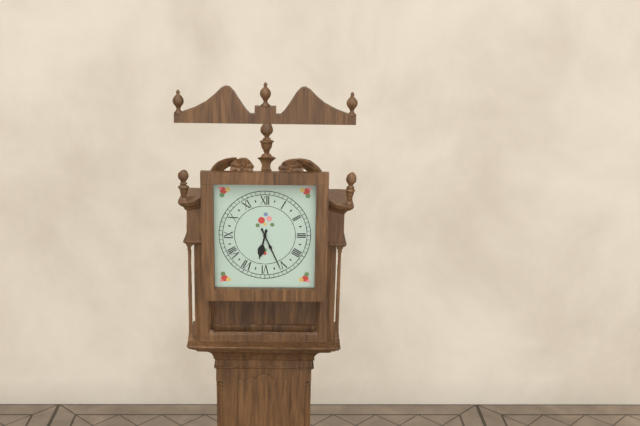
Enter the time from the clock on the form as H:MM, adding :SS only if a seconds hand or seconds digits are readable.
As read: 6:26
